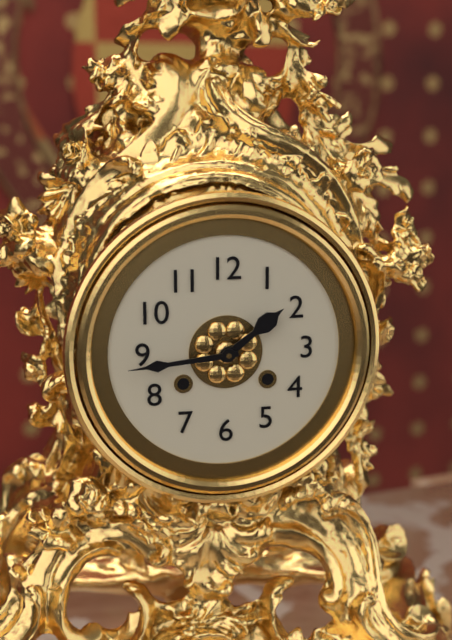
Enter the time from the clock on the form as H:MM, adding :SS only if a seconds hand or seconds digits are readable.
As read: 1:44
